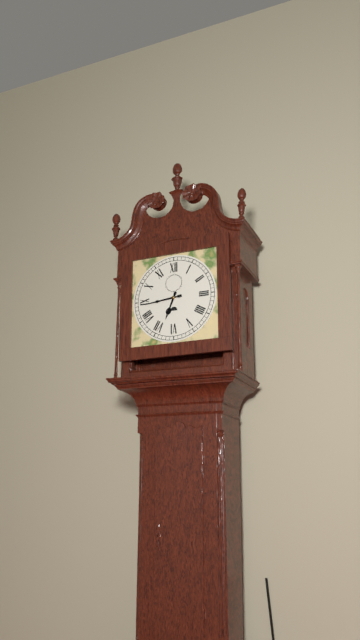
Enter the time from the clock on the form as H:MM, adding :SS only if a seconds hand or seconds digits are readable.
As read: 6:44
